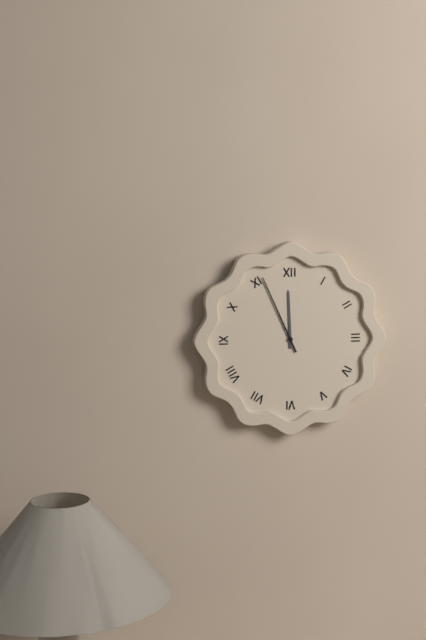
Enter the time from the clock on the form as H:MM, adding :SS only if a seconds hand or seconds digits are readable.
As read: 11:56
